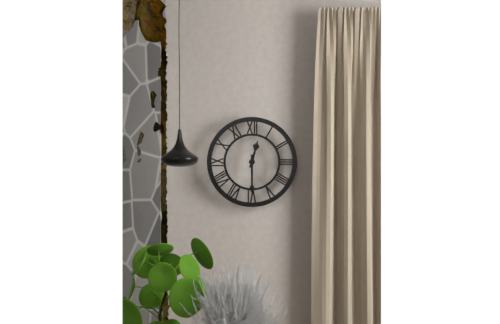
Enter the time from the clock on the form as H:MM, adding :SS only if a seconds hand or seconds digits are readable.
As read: 12:30
